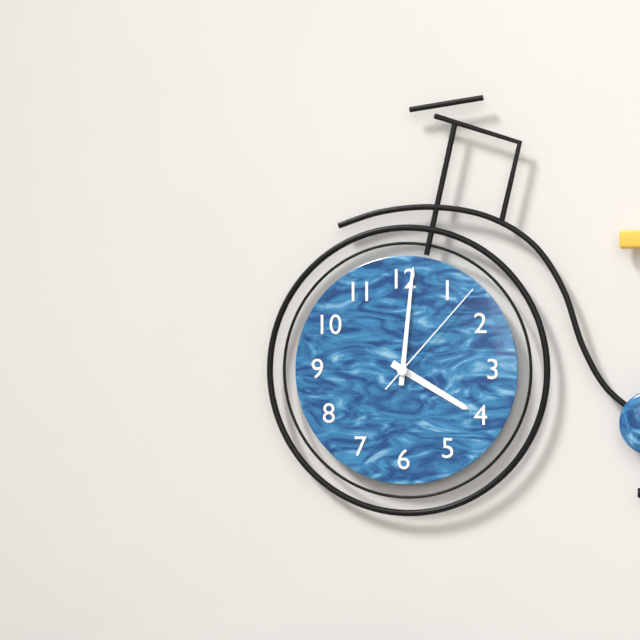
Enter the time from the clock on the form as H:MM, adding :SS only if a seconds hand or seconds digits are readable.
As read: 4:01:07
